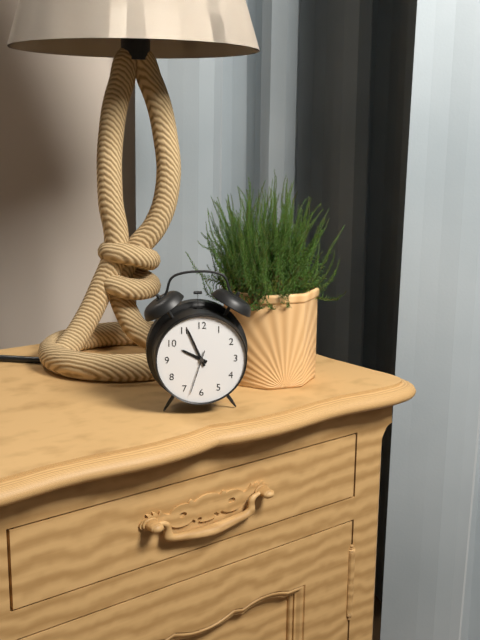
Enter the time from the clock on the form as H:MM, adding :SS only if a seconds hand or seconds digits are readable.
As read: 9:56
